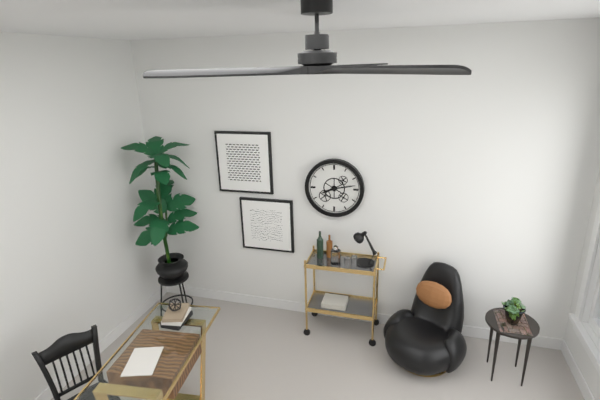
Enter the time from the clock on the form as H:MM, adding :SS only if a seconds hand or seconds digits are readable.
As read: 8:13
